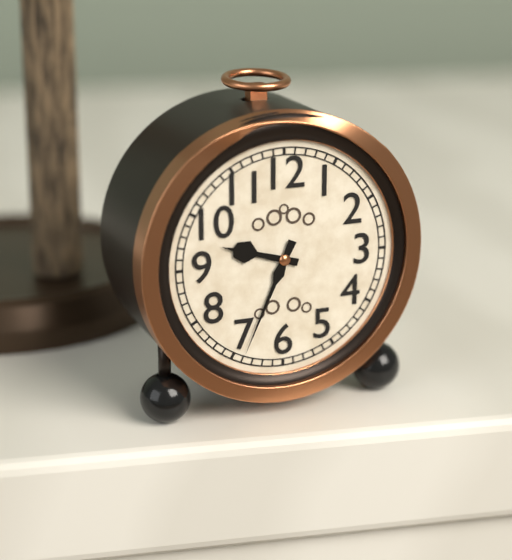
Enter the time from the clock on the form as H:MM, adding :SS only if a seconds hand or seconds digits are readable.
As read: 9:34
